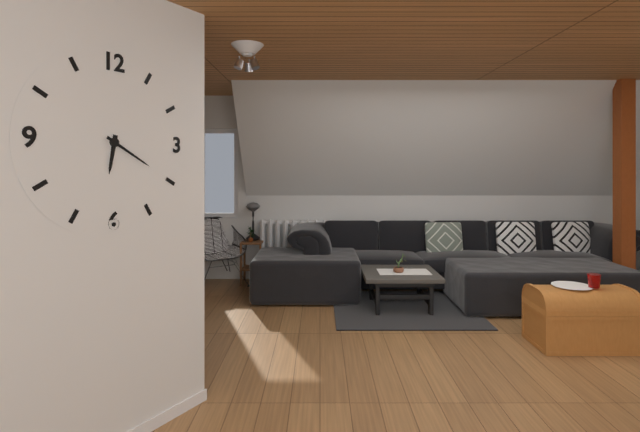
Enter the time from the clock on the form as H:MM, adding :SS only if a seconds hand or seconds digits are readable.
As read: 6:20
